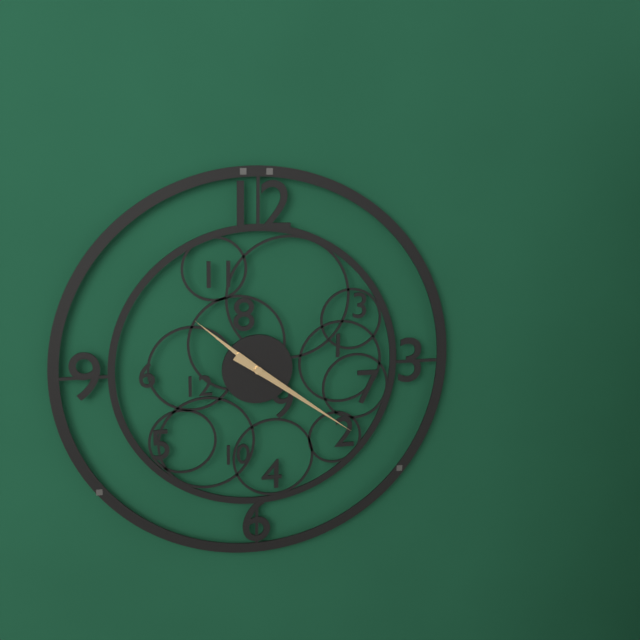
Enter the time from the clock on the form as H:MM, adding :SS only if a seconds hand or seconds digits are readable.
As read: 10:21
